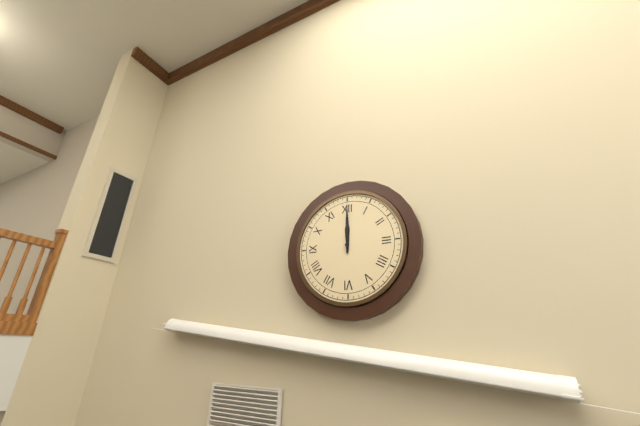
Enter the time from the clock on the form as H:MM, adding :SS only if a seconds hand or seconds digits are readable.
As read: 12:00
